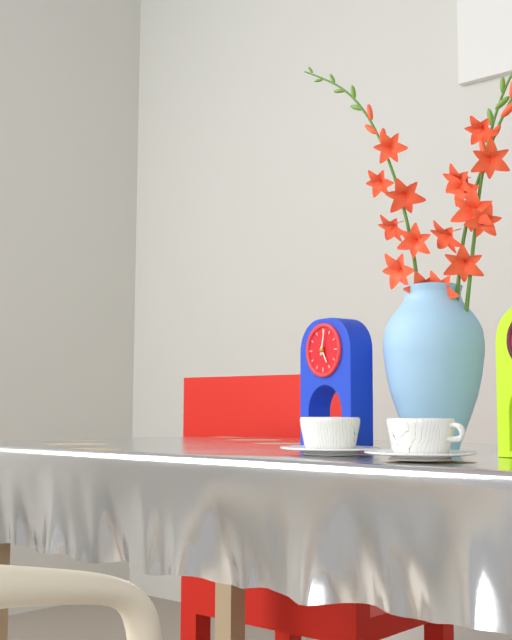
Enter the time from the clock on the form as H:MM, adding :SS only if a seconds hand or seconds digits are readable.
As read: 5:02
